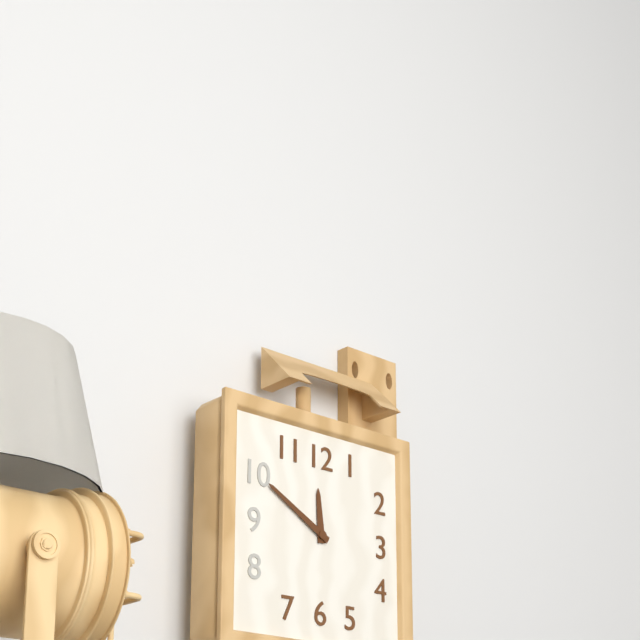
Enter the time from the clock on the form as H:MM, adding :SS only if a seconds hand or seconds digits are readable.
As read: 11:50
